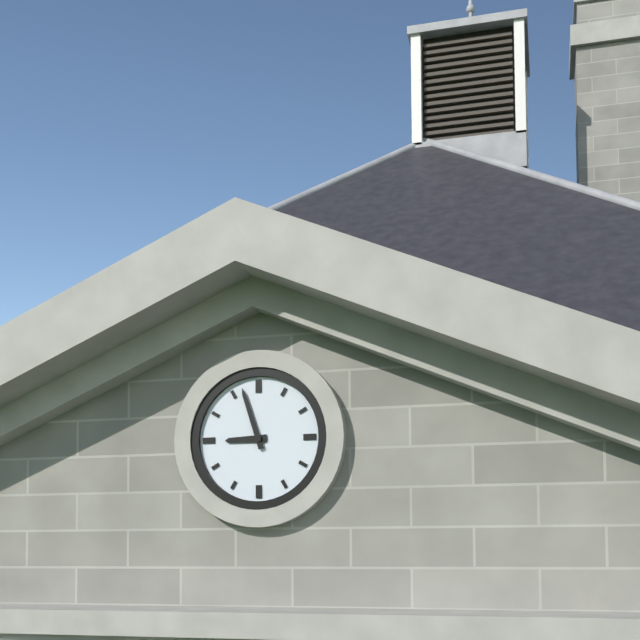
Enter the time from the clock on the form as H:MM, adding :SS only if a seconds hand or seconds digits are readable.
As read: 8:57
